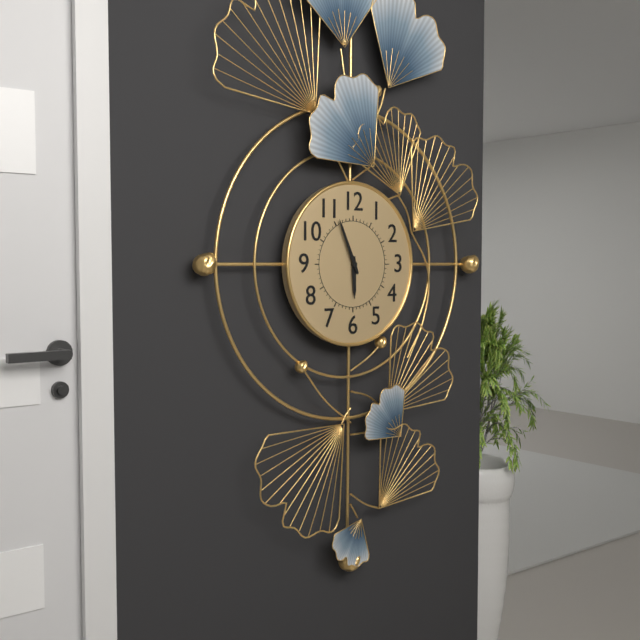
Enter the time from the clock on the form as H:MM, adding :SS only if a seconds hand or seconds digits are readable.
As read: 5:56
